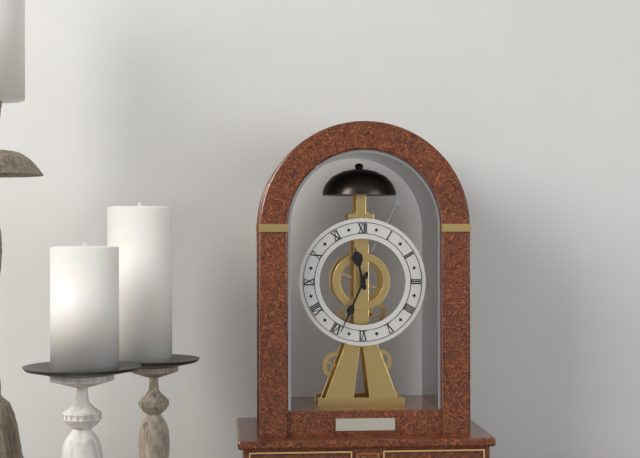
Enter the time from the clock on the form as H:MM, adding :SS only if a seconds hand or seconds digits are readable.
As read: 11:34
